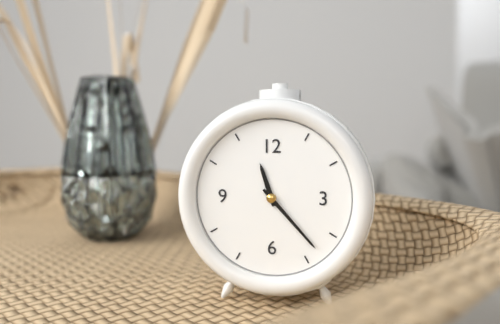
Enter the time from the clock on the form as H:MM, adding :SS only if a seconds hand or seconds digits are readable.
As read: 11:23
